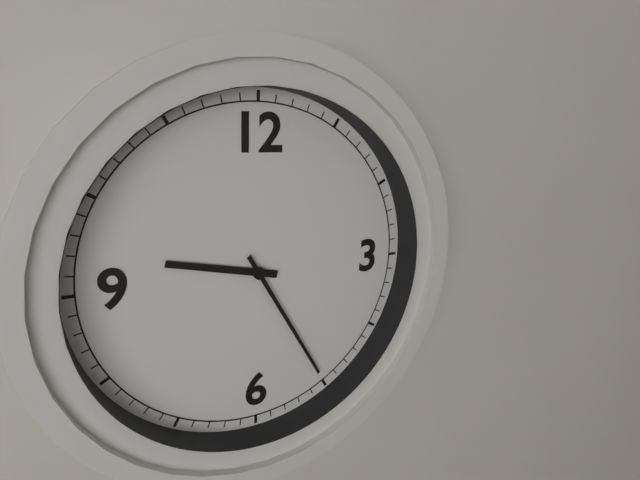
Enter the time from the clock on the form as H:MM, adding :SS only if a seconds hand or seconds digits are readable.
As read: 9:25
